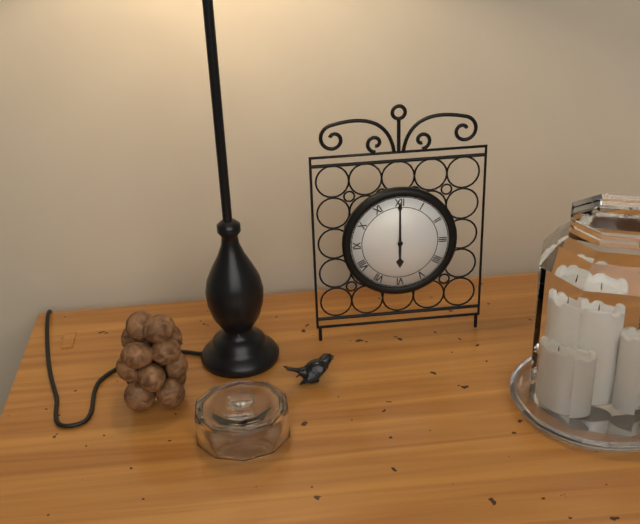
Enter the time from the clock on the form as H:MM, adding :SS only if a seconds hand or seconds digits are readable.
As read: 6:00
